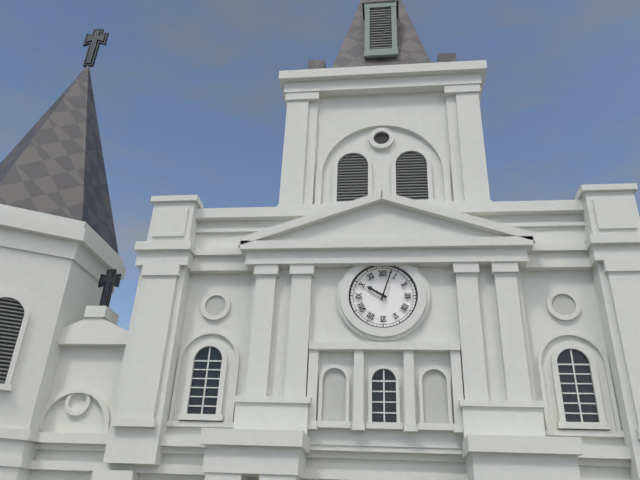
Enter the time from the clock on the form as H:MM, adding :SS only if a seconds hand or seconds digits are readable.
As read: 10:03
